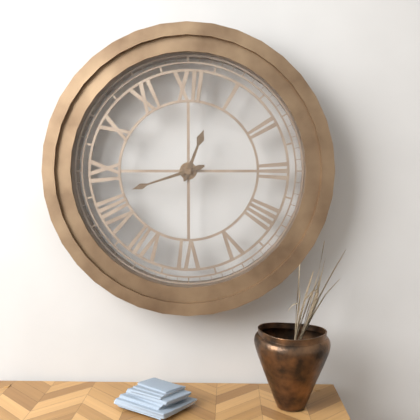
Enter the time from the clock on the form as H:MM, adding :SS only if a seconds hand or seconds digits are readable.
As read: 12:42
